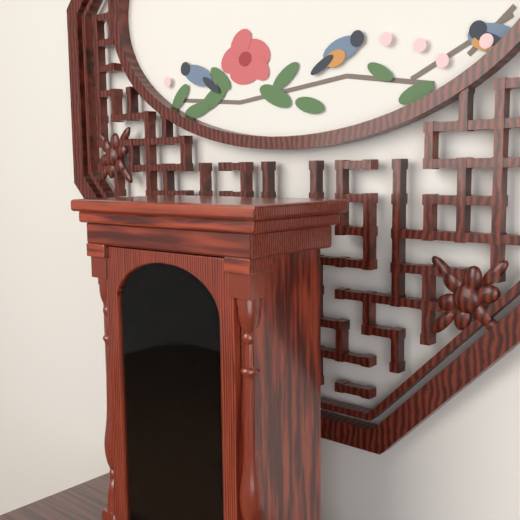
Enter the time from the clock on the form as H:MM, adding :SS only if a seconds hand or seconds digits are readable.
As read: 9:39
